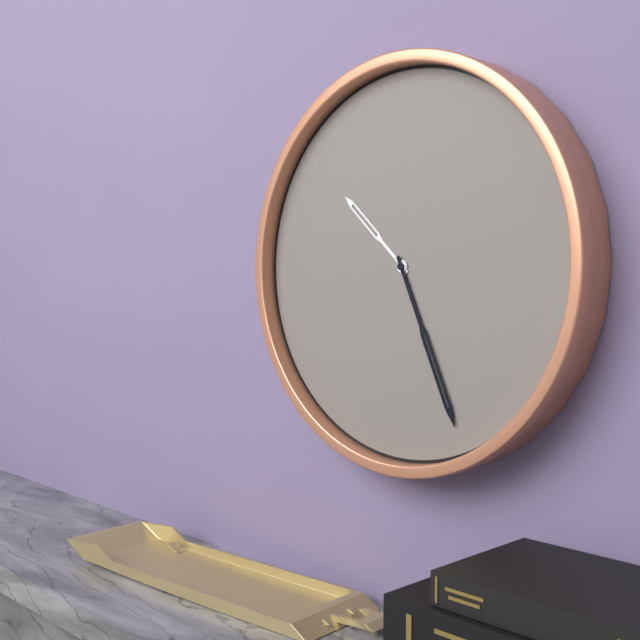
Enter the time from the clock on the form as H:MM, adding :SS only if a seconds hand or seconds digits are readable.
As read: 10:26
